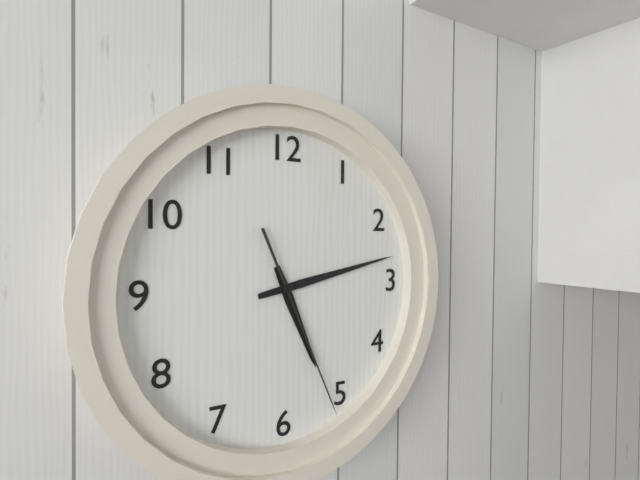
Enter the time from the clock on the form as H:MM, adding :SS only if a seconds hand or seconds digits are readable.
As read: 5:13:26
